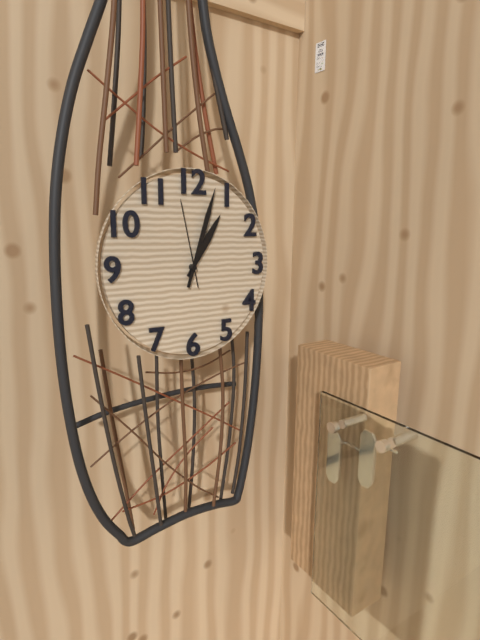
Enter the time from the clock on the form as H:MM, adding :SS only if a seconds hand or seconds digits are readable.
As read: 1:03:58
